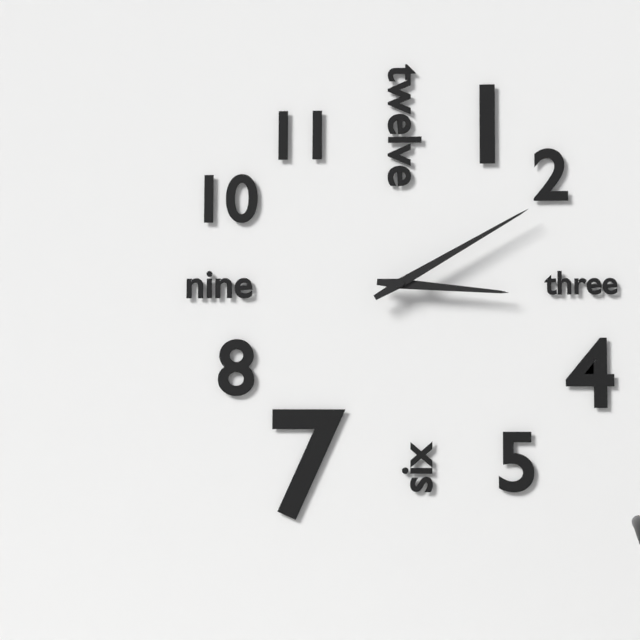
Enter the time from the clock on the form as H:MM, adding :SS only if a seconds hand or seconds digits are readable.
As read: 3:10
